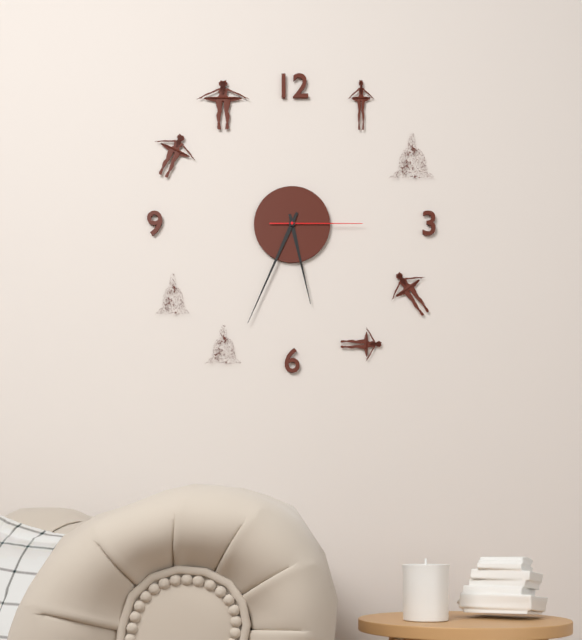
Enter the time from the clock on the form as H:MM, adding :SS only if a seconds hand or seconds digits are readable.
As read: 5:34:15
